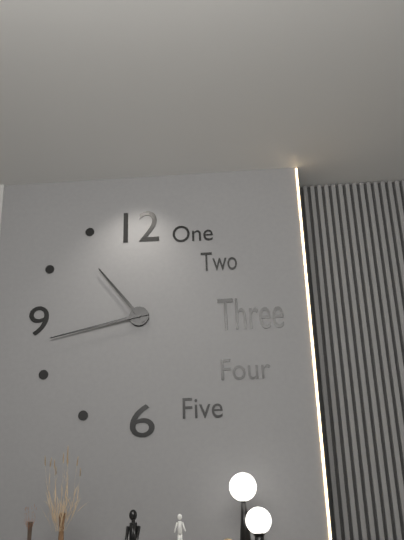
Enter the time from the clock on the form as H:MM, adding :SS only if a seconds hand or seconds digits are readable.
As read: 10:43
